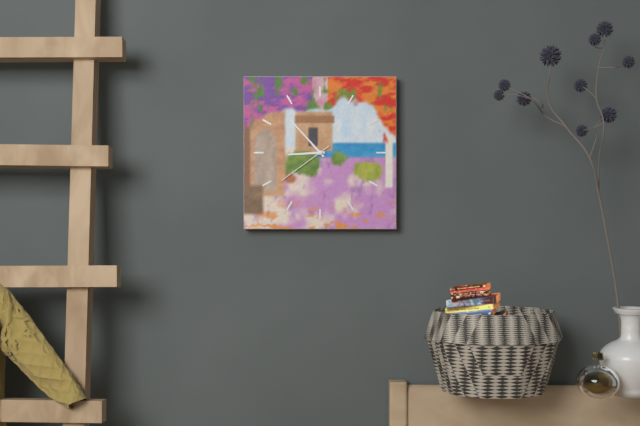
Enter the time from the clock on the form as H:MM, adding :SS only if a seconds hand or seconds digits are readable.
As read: 8:53:39
